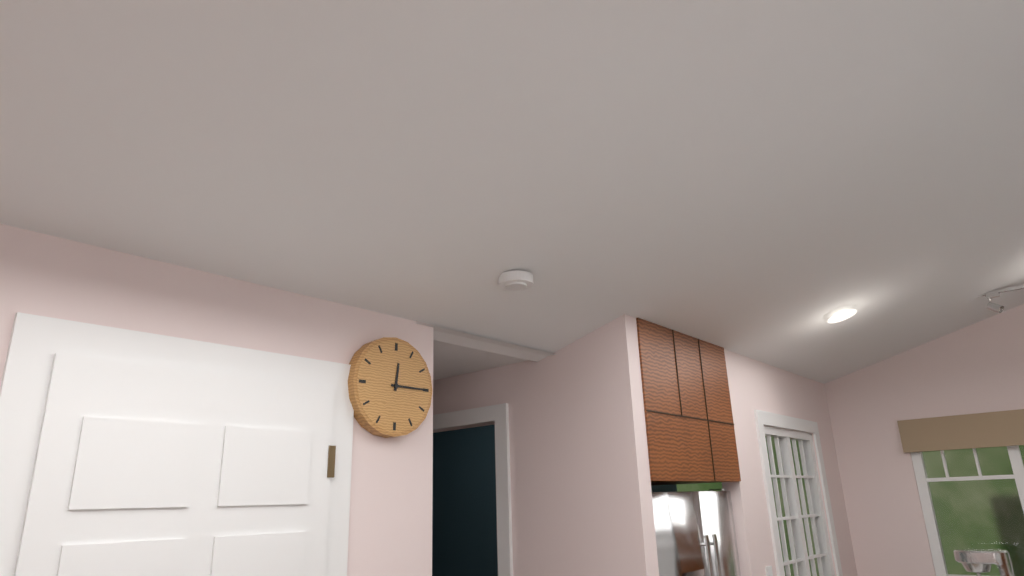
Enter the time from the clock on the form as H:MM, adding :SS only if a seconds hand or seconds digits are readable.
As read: 12:15
